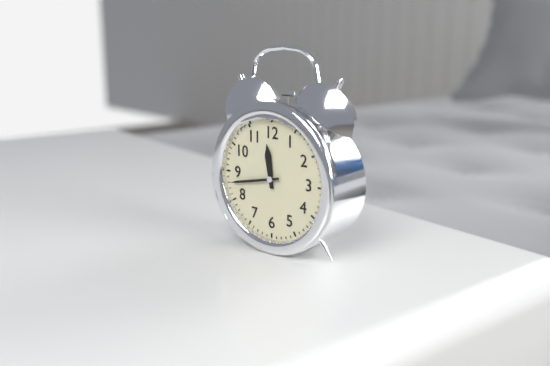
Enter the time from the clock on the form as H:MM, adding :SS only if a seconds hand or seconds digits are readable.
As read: 11:43
